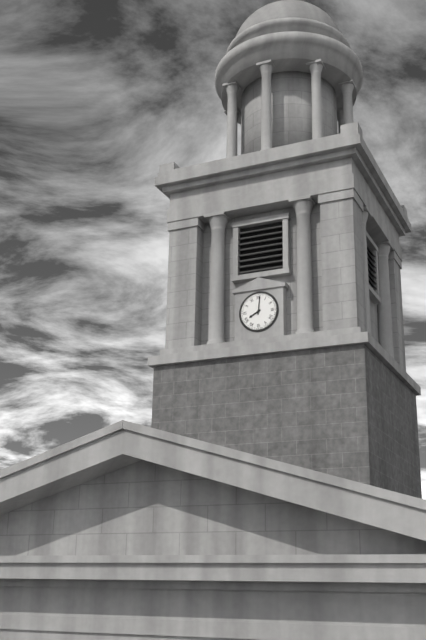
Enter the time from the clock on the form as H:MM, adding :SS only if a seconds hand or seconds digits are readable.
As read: 8:01
